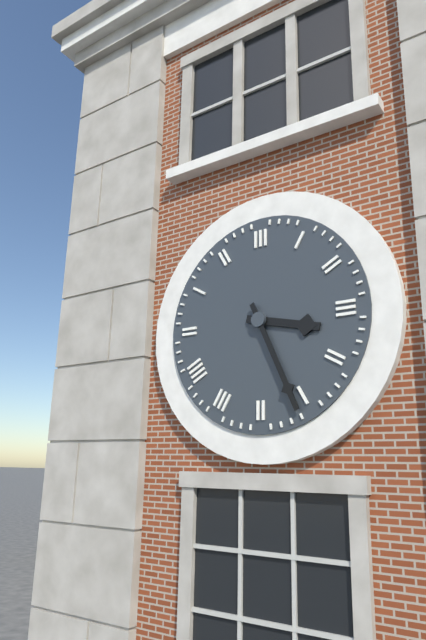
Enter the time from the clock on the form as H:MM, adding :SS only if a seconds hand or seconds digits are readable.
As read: 3:26
